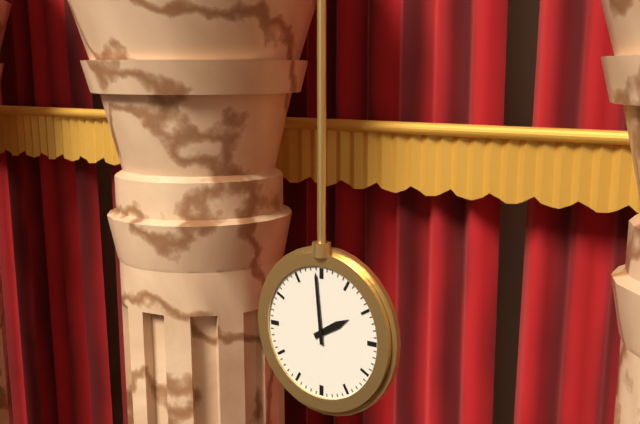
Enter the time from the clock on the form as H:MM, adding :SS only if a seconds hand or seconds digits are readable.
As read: 1:59
